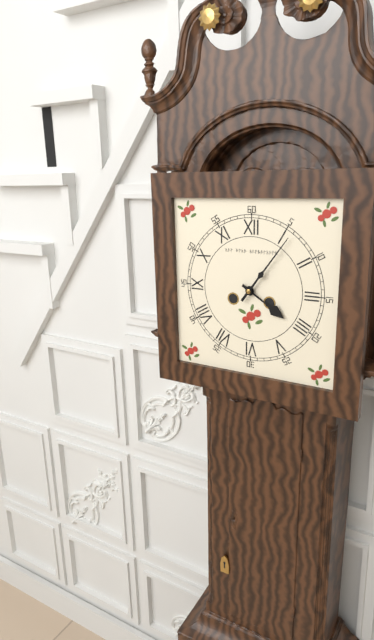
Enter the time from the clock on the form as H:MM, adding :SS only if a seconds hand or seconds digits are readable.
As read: 4:06
